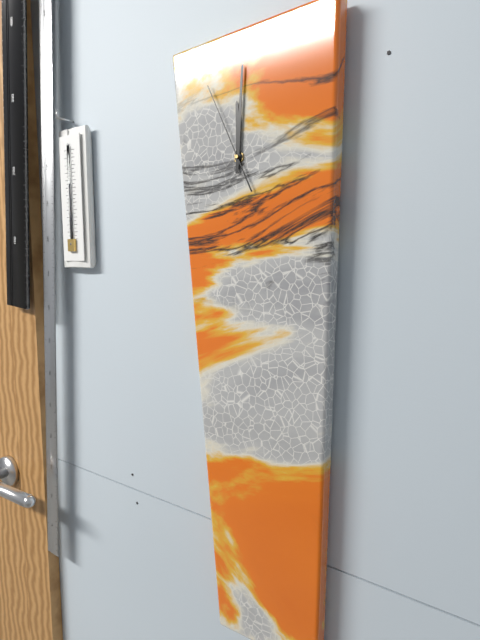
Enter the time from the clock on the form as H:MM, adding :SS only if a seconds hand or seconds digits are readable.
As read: 12:01:56
